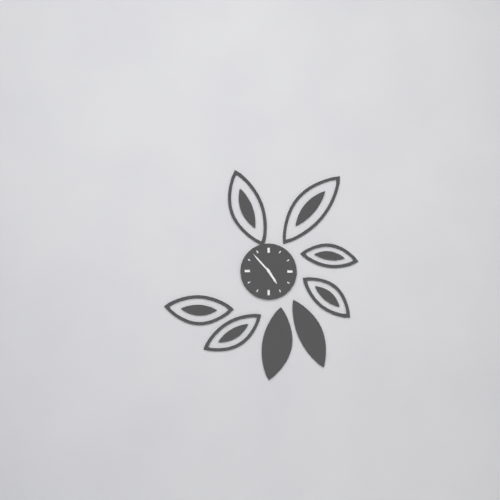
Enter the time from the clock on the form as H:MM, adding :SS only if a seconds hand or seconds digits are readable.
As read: 4:53
